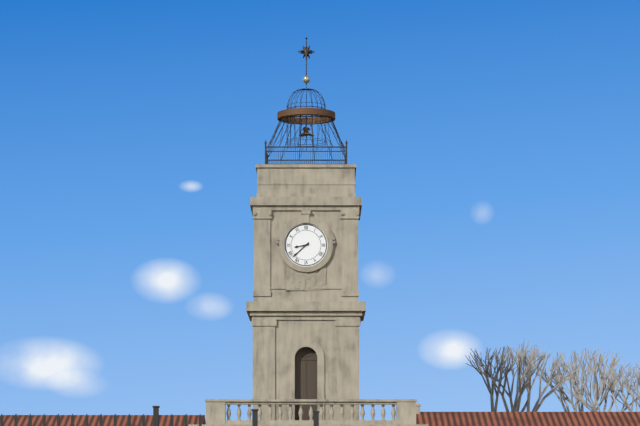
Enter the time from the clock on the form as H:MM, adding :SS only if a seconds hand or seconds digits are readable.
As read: 8:38
